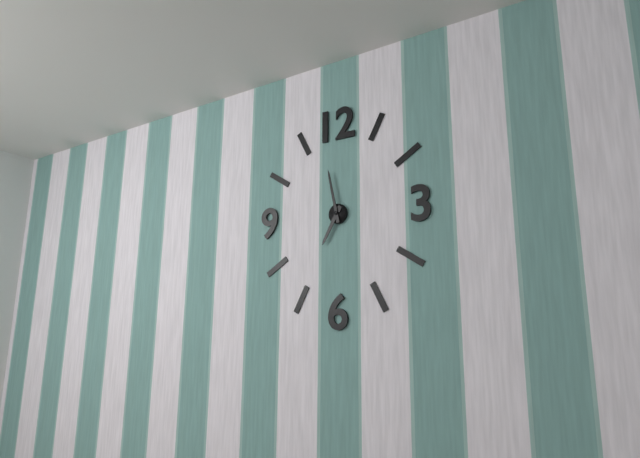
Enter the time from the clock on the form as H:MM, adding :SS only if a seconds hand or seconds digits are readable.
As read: 6:58
